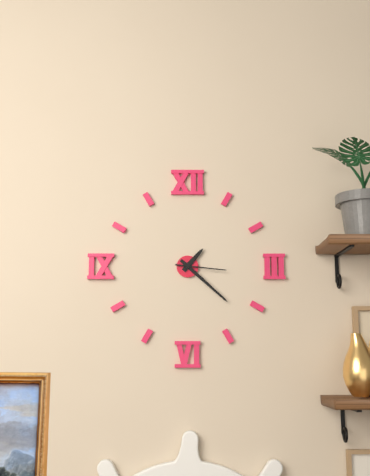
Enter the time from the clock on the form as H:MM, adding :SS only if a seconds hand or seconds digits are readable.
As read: 1:22
